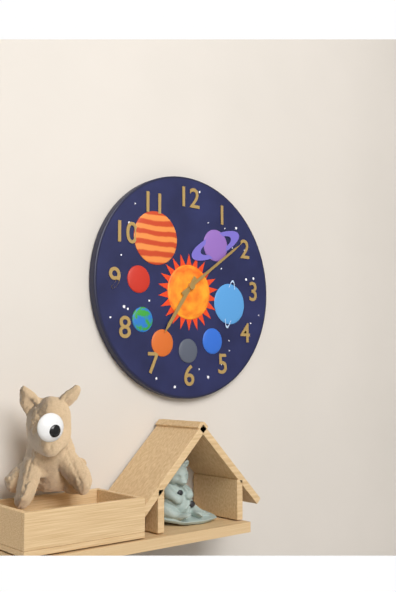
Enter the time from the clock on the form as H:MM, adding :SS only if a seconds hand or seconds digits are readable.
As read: 7:09
